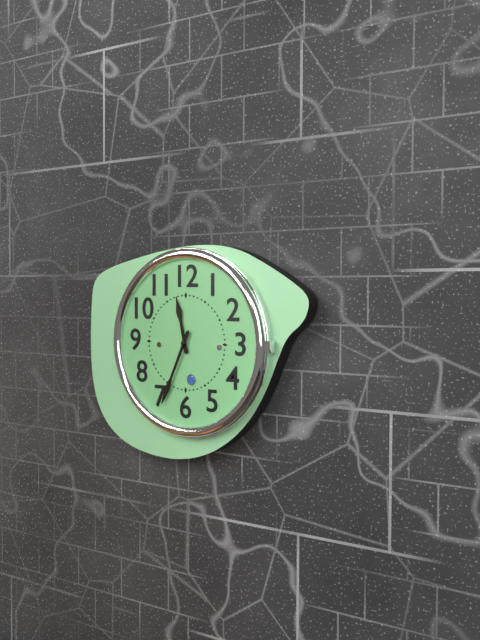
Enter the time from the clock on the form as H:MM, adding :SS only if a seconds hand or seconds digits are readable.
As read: 11:34
